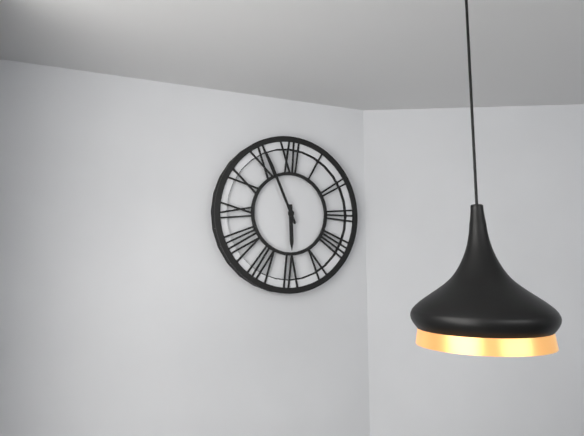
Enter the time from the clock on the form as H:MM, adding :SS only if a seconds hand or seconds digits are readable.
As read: 5:56
